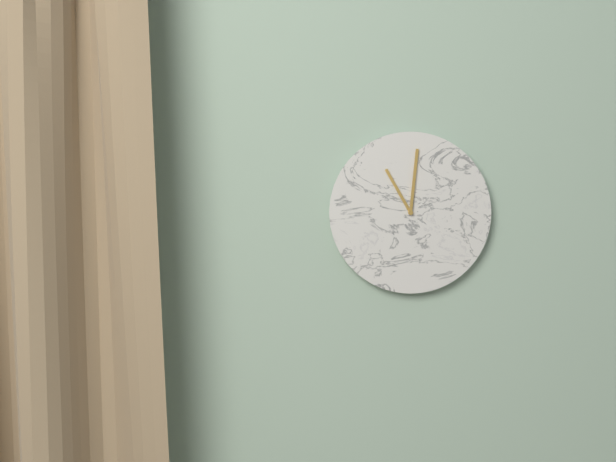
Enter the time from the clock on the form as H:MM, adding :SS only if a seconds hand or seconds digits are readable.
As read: 11:01
